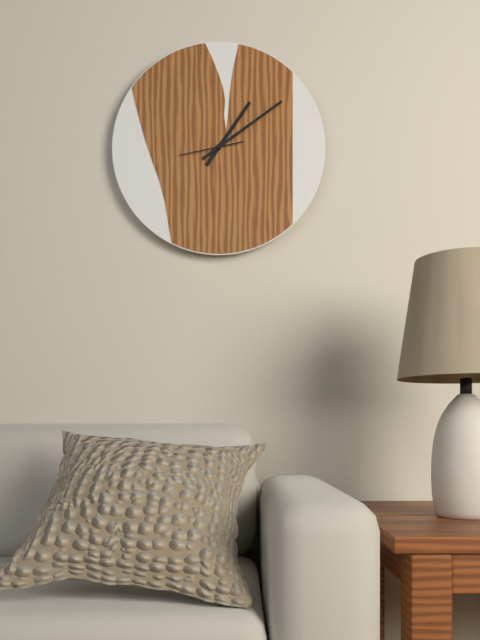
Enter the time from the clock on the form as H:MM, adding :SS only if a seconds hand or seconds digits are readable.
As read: 1:09
